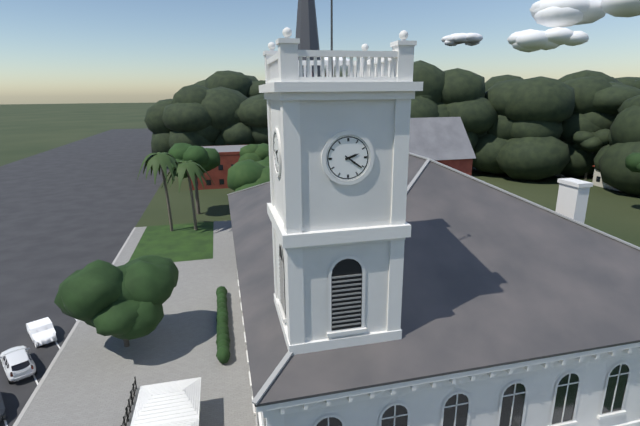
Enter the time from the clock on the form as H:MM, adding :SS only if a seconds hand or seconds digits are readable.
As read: 2:21
